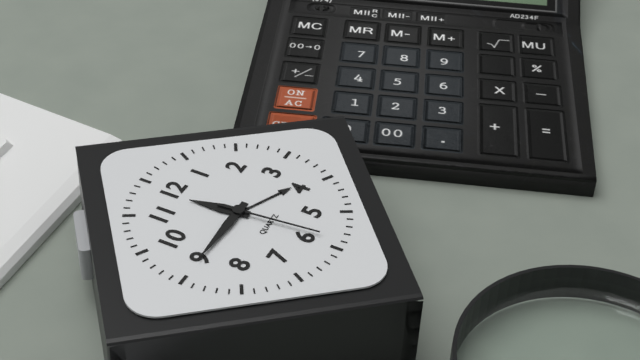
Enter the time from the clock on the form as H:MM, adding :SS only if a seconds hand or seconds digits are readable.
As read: 11:45:29
